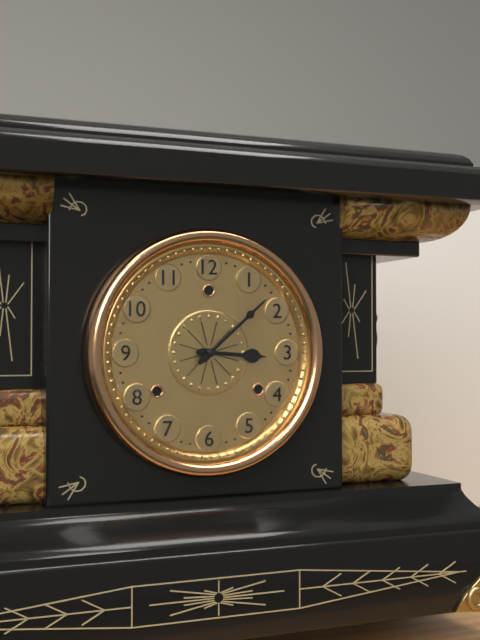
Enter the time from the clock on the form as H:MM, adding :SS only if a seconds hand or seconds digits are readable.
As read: 3:08
